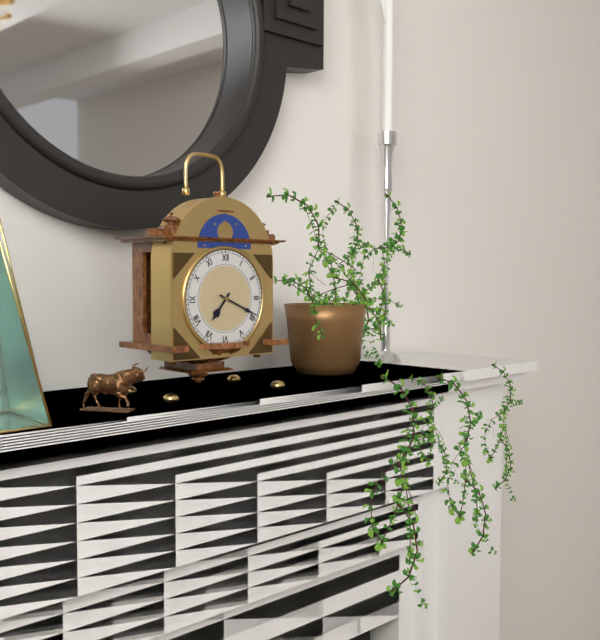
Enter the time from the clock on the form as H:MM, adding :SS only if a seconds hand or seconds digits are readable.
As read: 7:19
